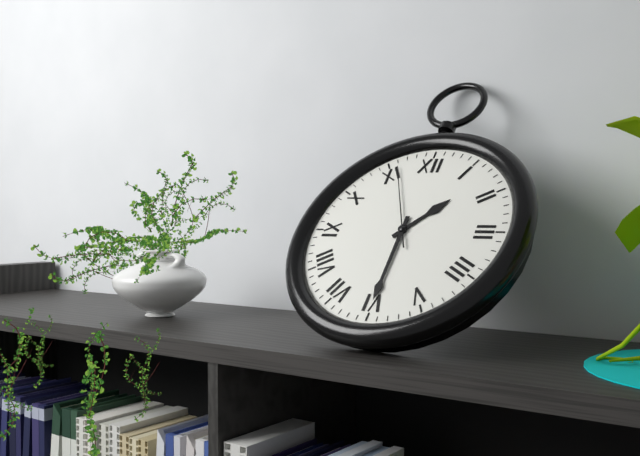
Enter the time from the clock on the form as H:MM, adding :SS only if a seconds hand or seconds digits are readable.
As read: 1:30:56
